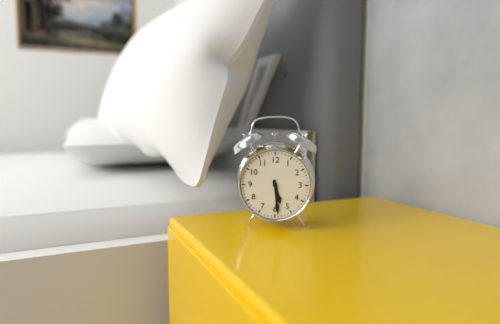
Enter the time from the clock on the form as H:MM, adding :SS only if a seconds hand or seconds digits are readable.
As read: 5:29
